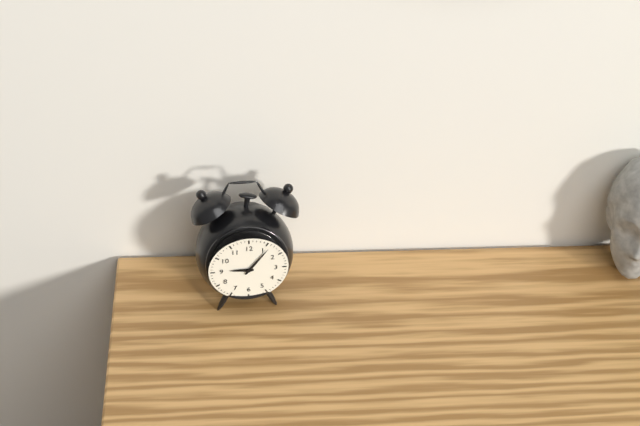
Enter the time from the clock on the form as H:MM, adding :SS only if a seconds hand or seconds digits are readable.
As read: 9:06
